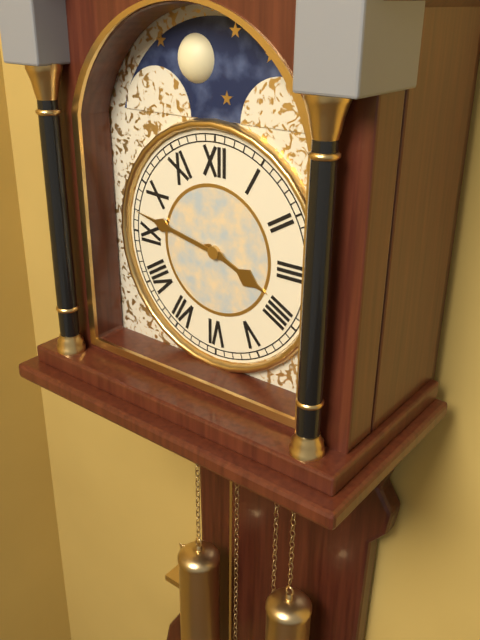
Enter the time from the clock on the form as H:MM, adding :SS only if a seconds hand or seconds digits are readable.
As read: 3:47
